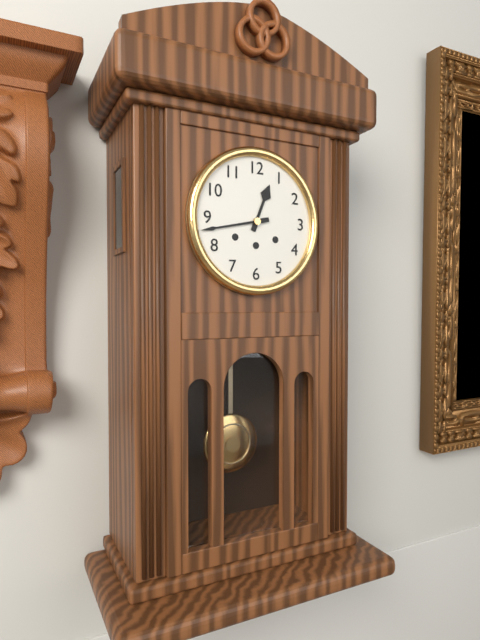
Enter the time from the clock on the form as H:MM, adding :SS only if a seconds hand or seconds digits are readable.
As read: 12:43
